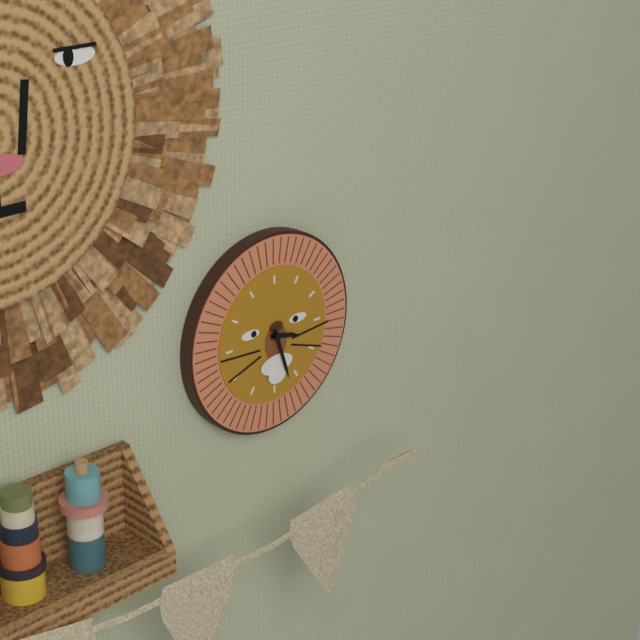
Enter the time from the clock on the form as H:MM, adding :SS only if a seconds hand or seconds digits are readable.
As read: 3:27
